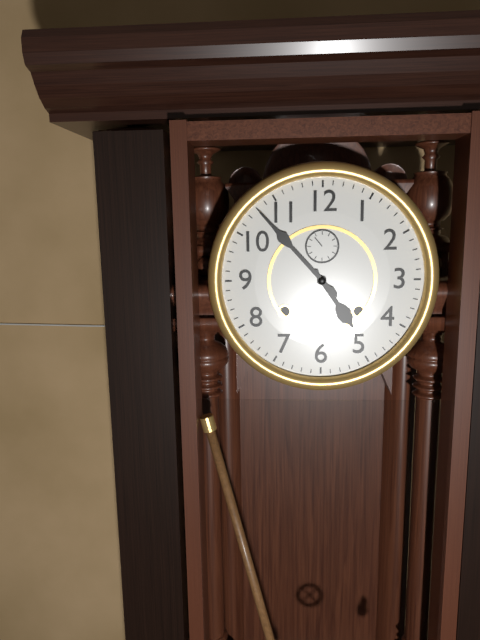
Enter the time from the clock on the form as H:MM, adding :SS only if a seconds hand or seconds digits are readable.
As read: 4:53
